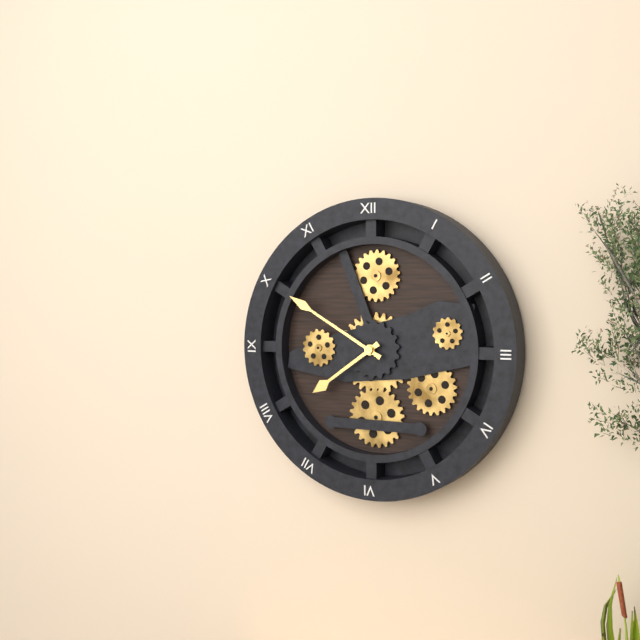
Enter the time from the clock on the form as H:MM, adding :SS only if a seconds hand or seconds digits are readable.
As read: 7:50
